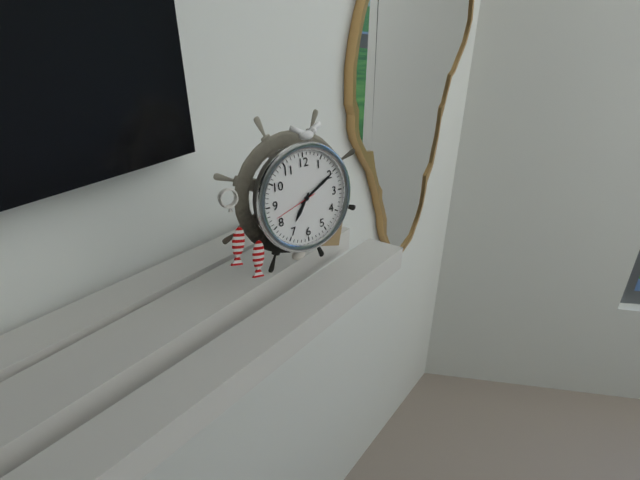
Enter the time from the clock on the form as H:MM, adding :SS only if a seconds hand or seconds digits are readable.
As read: 7:10
